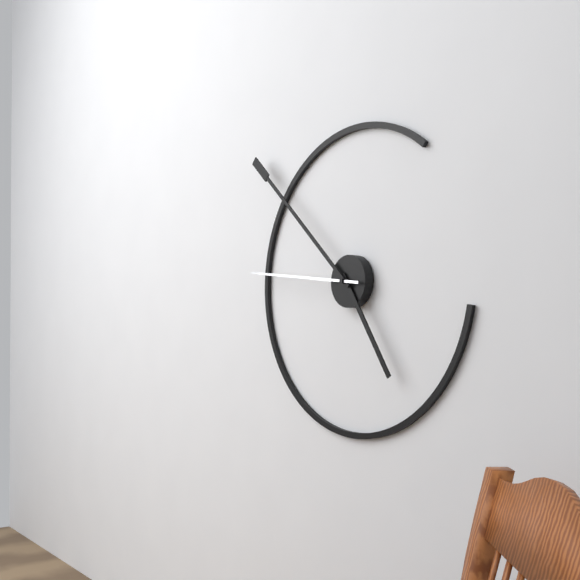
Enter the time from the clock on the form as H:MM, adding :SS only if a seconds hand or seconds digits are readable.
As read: 4:52:46
